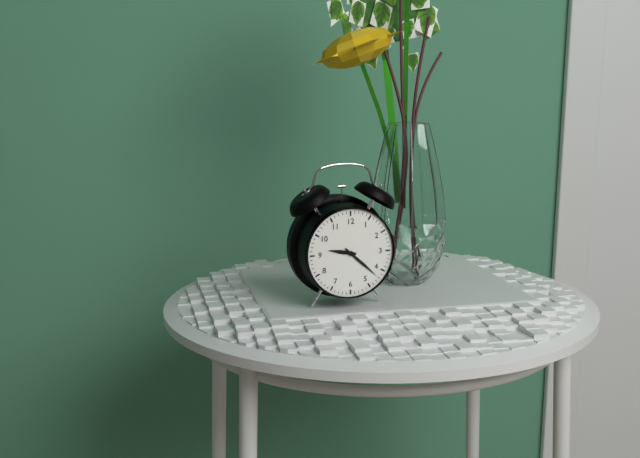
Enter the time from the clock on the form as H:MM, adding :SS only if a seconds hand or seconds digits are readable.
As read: 9:22
